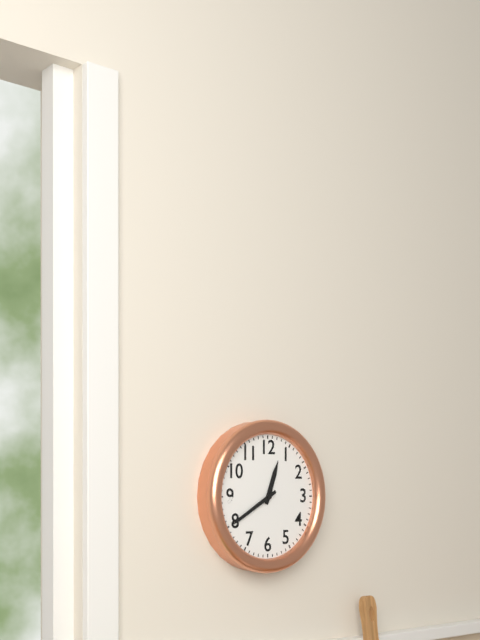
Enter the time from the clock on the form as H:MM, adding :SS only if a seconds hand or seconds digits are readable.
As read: 12:40
